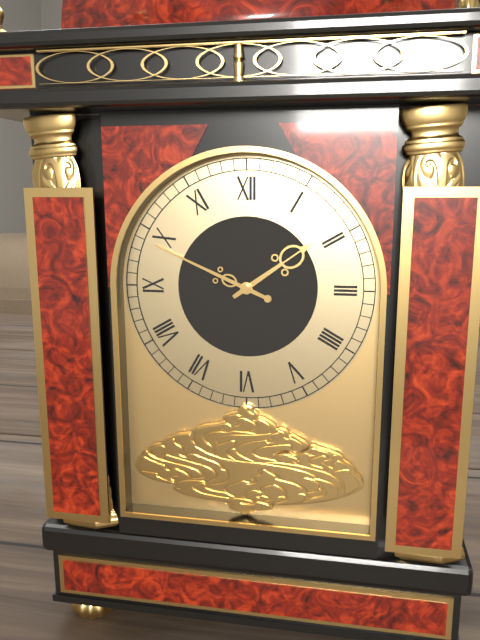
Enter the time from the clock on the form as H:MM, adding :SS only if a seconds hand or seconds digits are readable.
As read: 1:49
